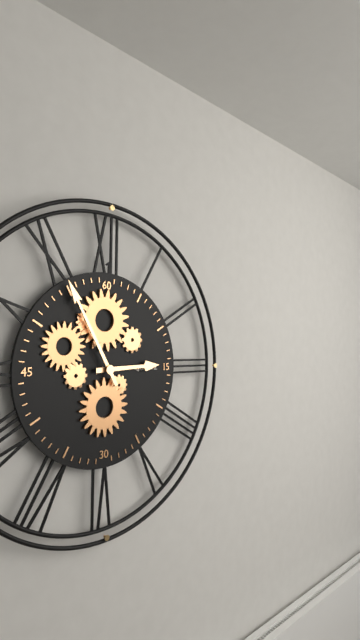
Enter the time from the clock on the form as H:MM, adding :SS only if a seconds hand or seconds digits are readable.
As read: 2:55
